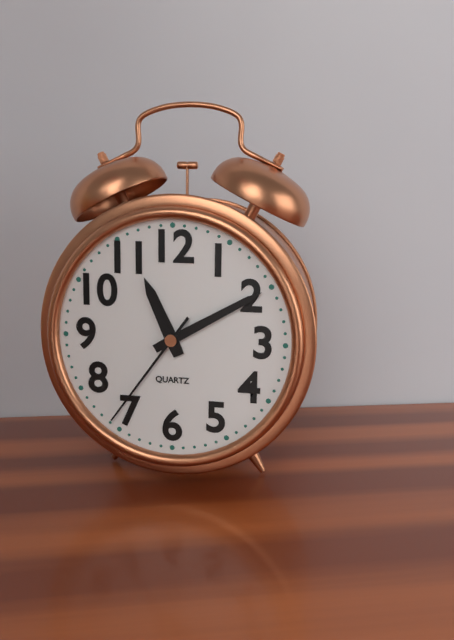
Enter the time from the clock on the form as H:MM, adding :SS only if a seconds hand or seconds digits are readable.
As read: 11:10:36
